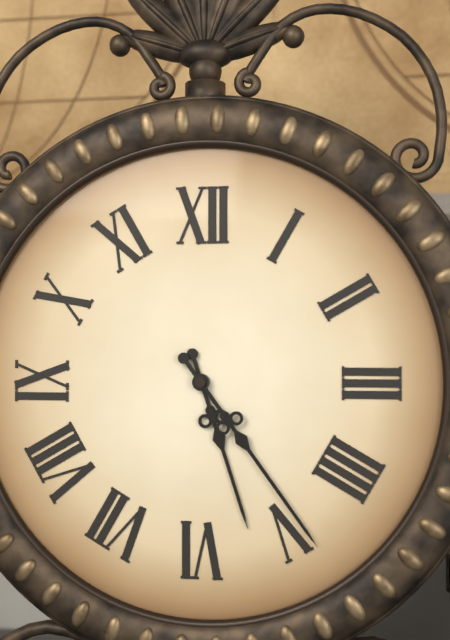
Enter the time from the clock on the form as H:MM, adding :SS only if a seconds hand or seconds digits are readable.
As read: 5:24
